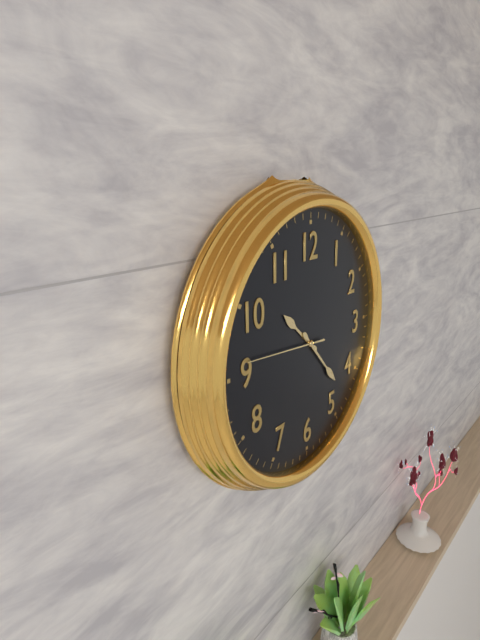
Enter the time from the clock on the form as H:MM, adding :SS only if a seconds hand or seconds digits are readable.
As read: 10:23:46
